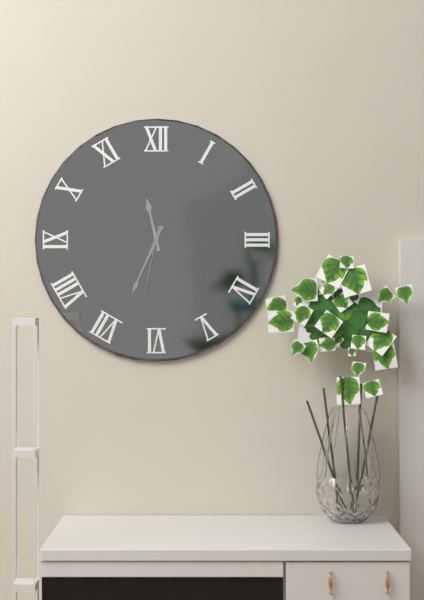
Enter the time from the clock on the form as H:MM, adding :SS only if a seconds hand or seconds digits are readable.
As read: 11:34:32
